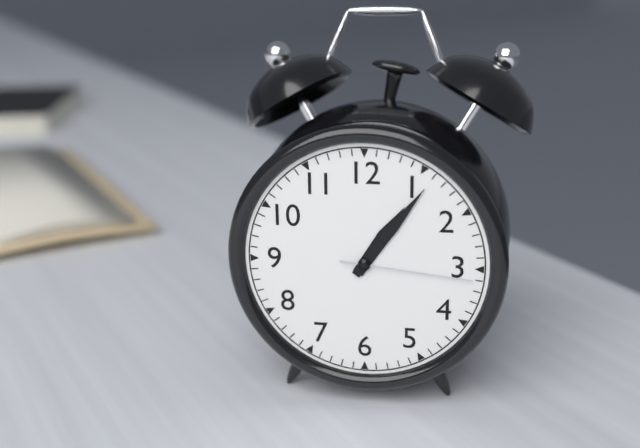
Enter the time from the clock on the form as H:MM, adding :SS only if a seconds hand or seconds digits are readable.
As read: 1:06:16
